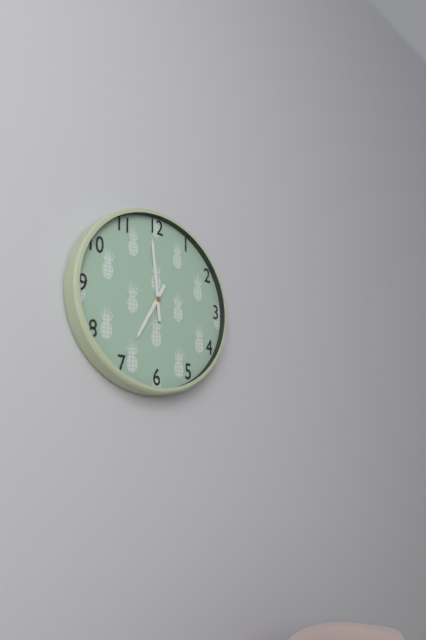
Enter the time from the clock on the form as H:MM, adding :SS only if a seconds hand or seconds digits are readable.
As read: 6:59
